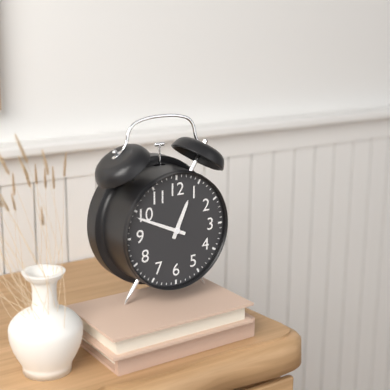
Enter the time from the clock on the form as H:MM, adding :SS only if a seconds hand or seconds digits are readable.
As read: 12:49
